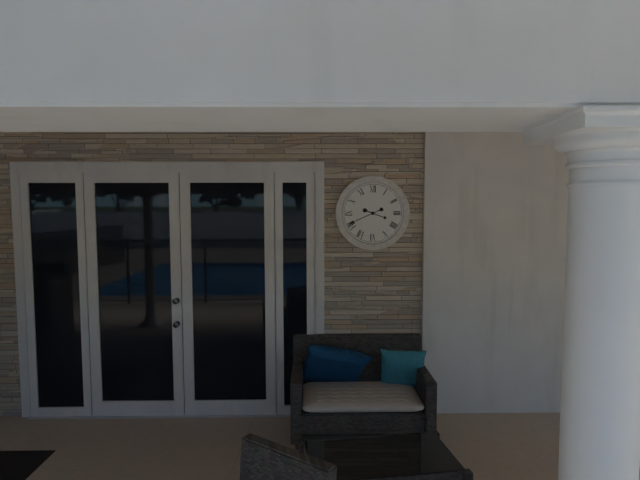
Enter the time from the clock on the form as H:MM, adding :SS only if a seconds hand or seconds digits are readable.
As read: 3:41
